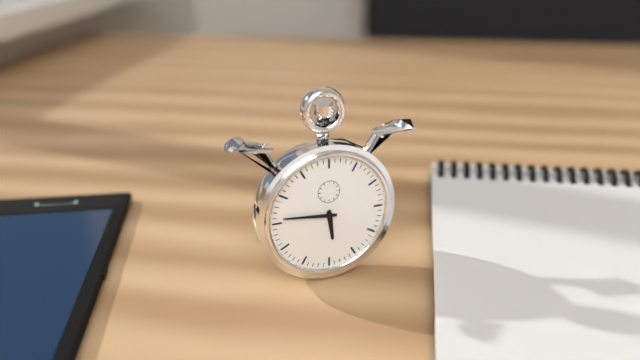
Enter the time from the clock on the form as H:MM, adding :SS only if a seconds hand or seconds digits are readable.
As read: 5:46
